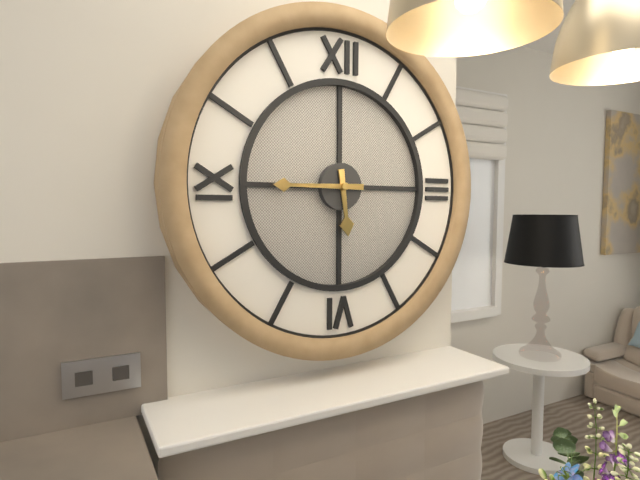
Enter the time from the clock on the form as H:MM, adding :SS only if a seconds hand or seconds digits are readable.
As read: 5:45
